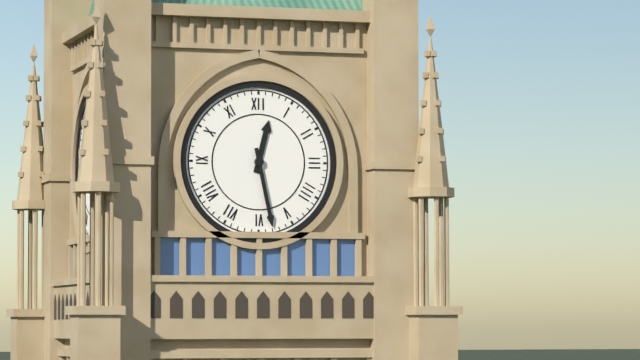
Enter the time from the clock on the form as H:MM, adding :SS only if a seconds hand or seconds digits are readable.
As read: 12:28
